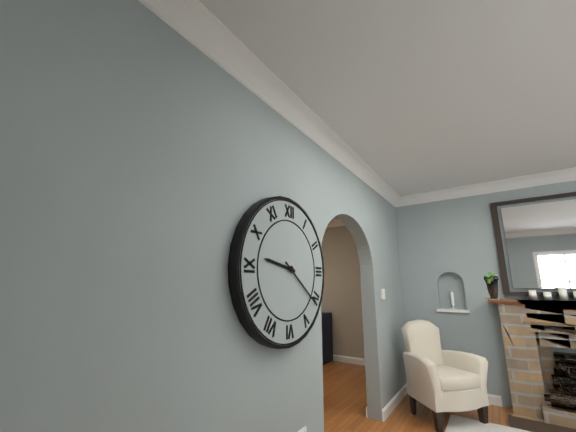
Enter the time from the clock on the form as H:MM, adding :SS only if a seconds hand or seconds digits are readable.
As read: 9:21
